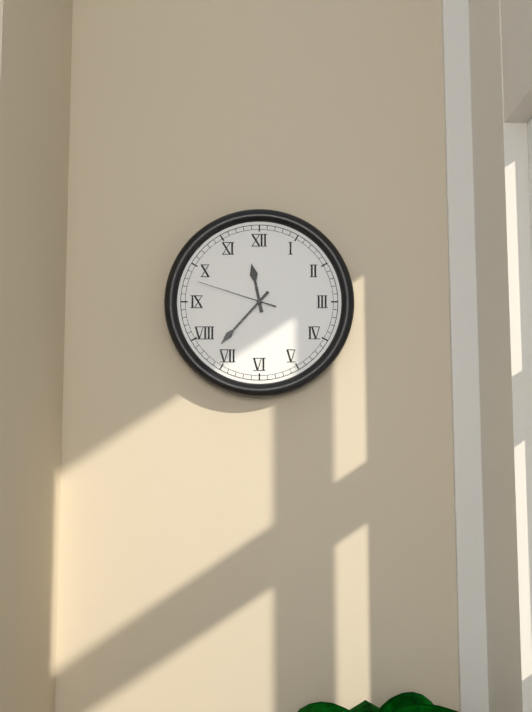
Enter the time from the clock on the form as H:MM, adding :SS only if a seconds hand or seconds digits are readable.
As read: 11:37:48
